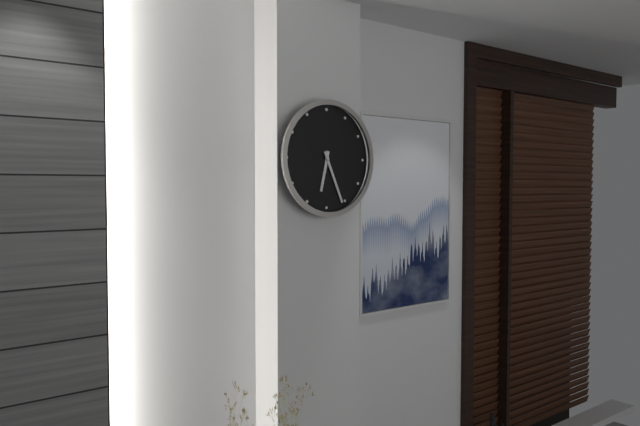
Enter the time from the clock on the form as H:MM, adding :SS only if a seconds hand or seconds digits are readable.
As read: 6:26
